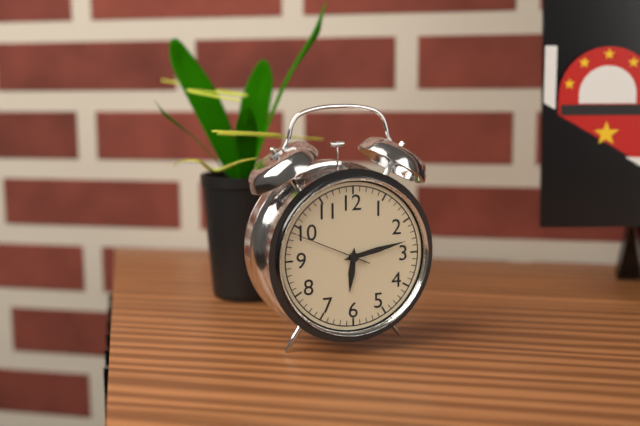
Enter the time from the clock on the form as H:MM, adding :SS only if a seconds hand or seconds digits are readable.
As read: 6:13:49
